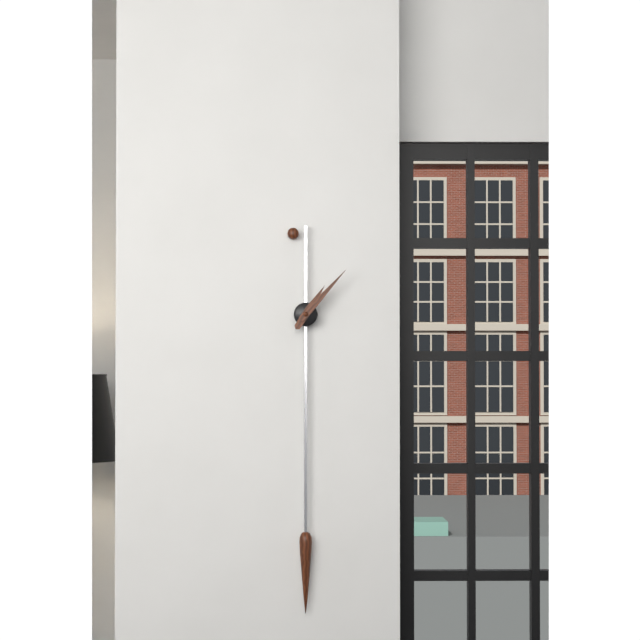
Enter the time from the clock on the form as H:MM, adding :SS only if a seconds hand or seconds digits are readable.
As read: 1:07
